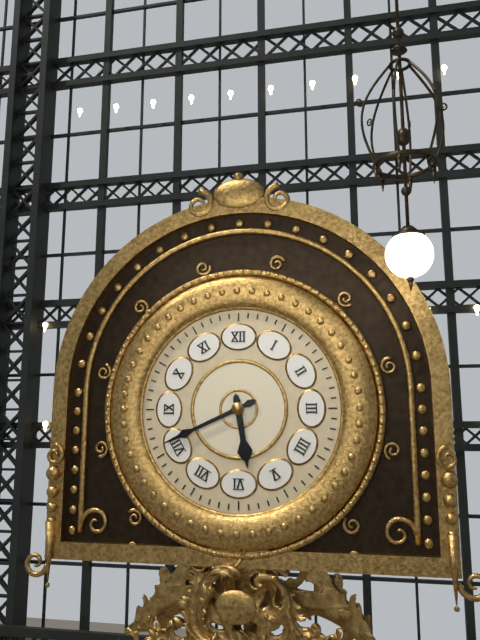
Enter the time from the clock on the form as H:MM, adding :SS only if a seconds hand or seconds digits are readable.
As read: 5:41
